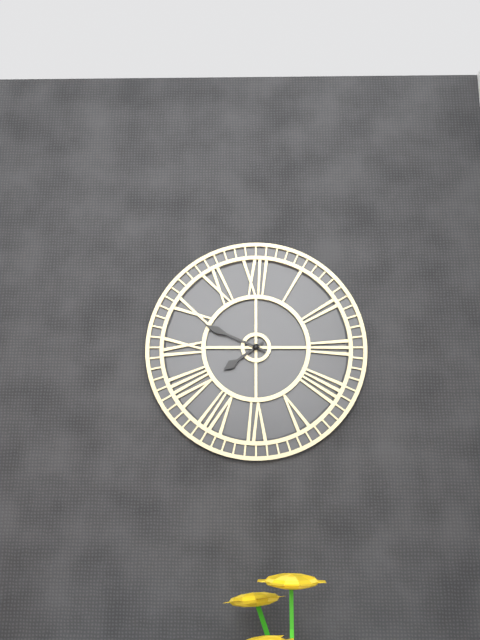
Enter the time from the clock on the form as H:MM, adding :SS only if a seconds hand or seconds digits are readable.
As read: 7:49
